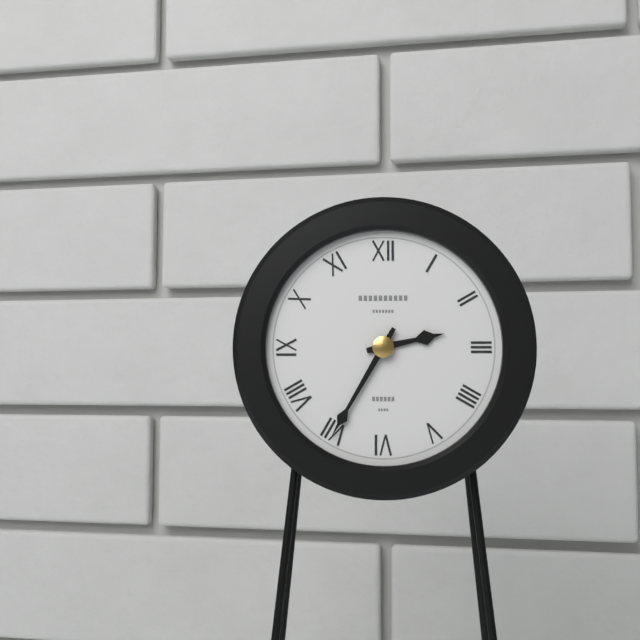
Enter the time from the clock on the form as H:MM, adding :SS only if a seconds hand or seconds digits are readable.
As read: 2:35
